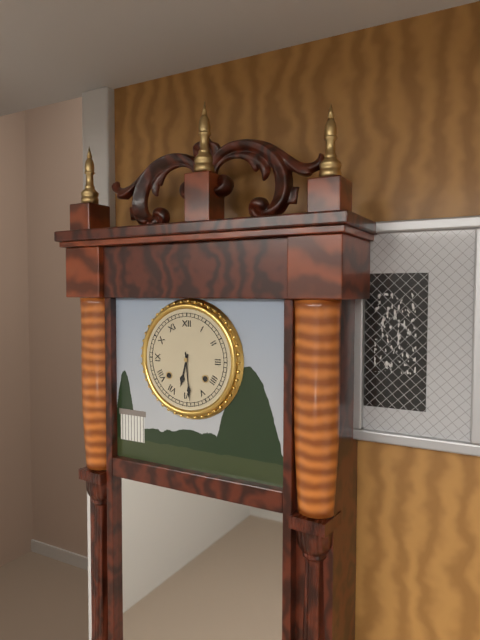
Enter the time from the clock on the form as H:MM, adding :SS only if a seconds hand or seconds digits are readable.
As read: 6:29
